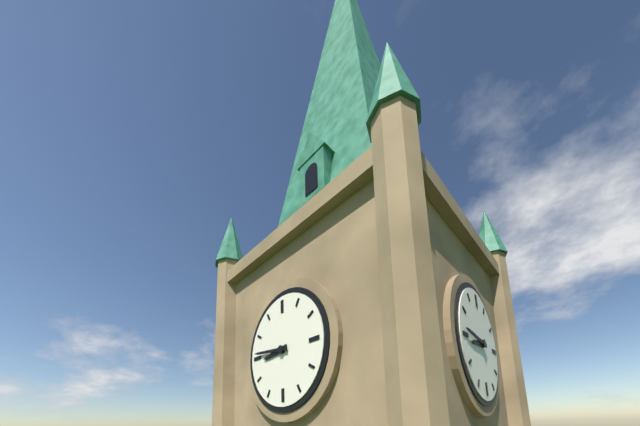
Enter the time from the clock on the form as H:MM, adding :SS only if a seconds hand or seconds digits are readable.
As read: 8:46
